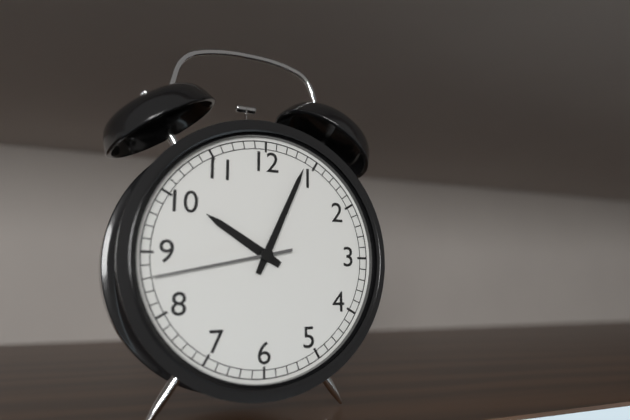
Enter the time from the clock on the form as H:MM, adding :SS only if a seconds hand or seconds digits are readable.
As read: 10:04:43
